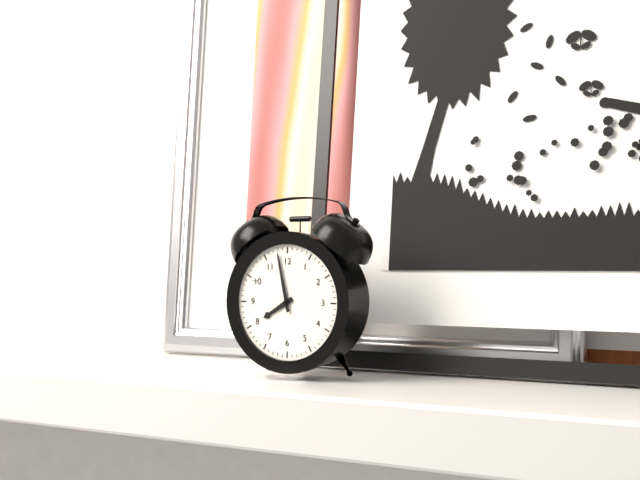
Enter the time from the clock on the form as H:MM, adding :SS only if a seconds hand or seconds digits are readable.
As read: 7:58
